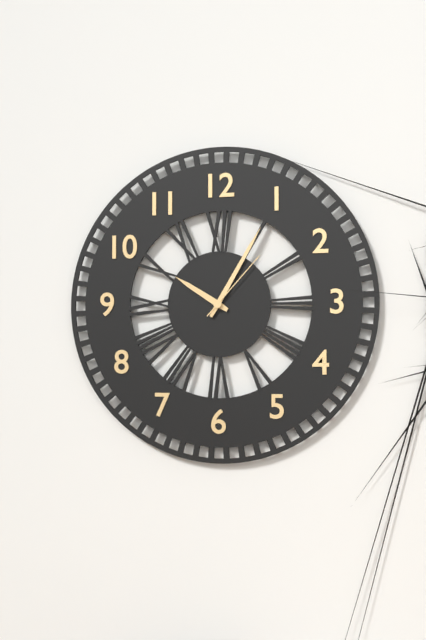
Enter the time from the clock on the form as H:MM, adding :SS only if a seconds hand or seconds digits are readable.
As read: 10:05:07
